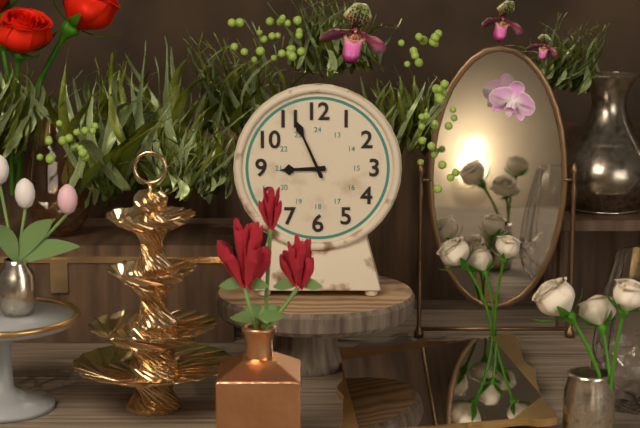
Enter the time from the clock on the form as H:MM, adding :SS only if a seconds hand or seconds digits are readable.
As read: 8:56
